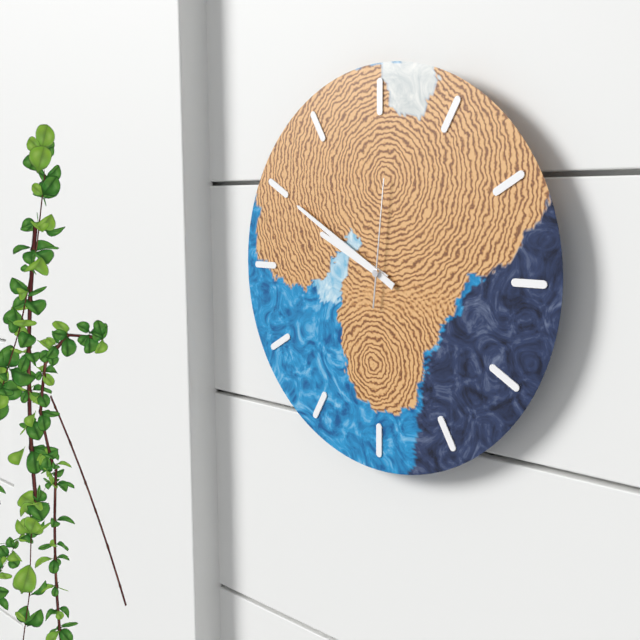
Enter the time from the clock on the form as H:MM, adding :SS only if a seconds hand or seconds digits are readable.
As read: 9:50:01
